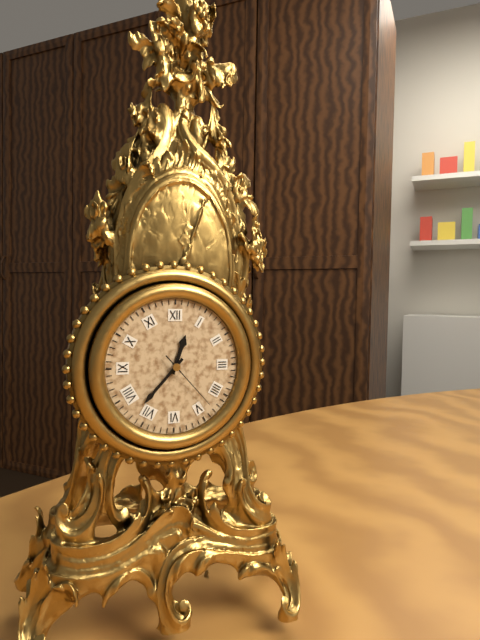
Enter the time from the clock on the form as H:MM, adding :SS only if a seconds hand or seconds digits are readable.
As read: 12:37:23
